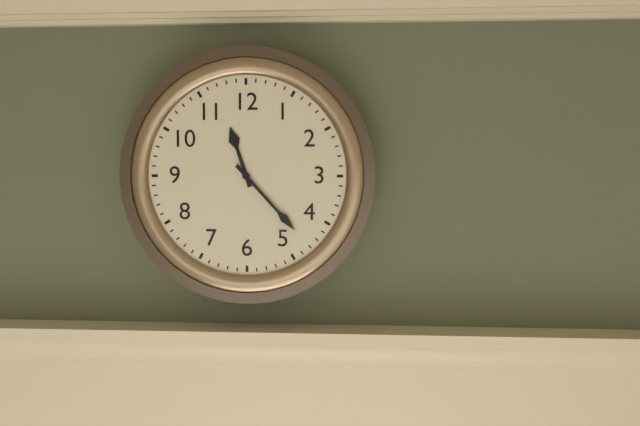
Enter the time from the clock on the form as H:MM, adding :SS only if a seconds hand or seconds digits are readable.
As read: 11:23
